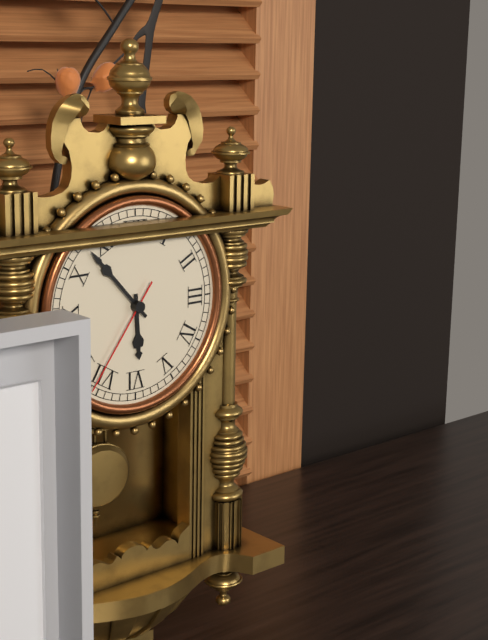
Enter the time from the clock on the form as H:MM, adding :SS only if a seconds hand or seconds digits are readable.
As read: 5:53:36
